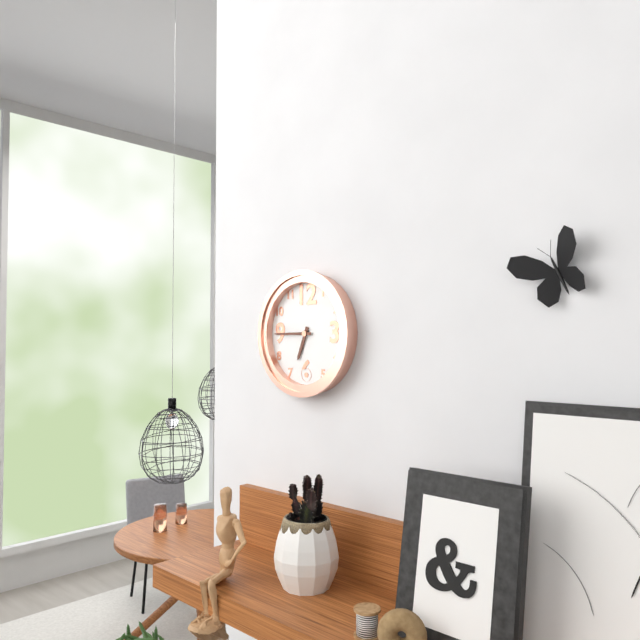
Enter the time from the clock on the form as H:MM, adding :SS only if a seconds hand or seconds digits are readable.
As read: 6:45
